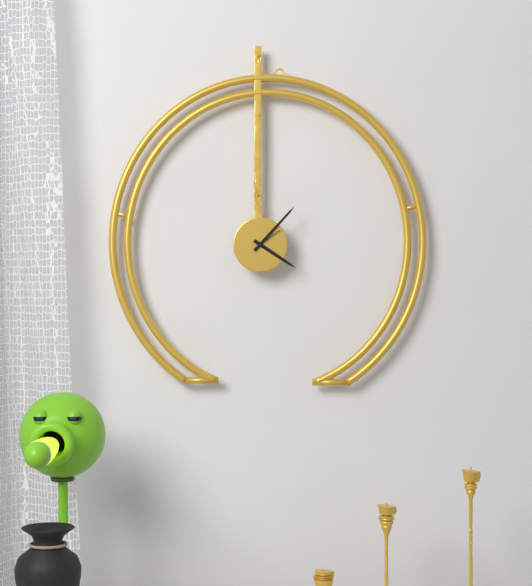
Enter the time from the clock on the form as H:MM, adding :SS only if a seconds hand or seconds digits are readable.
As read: 4:07
